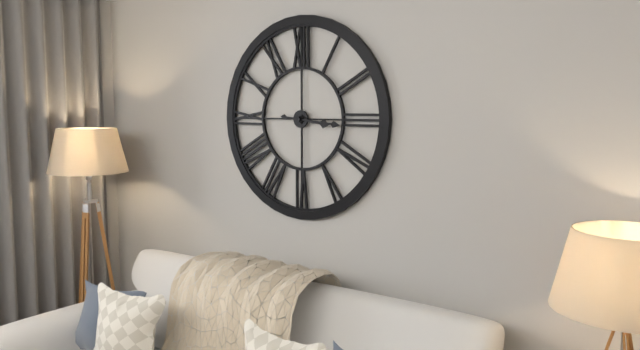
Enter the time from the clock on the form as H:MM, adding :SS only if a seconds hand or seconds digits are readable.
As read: 3:16
